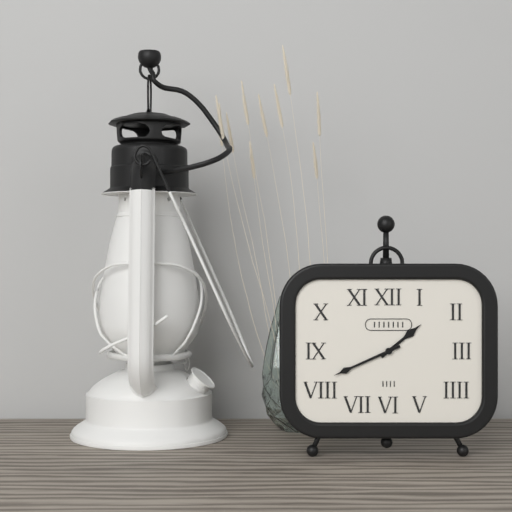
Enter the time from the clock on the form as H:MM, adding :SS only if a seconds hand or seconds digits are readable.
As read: 1:41
